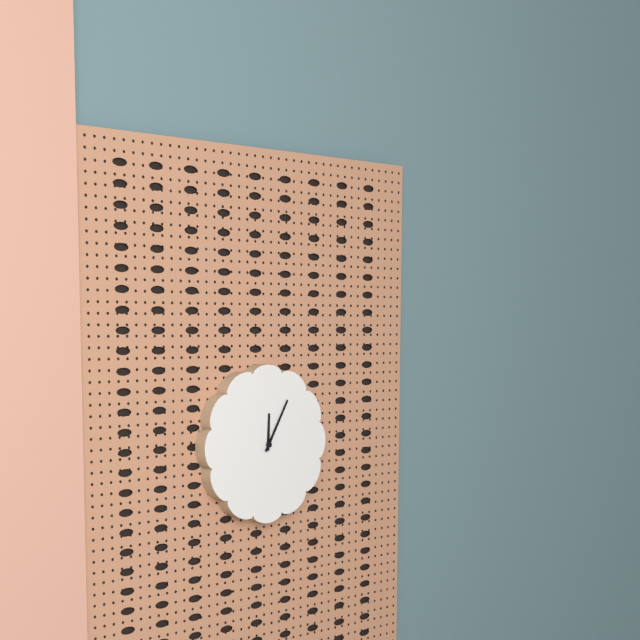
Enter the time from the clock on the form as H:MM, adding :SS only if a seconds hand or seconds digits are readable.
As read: 12:05
